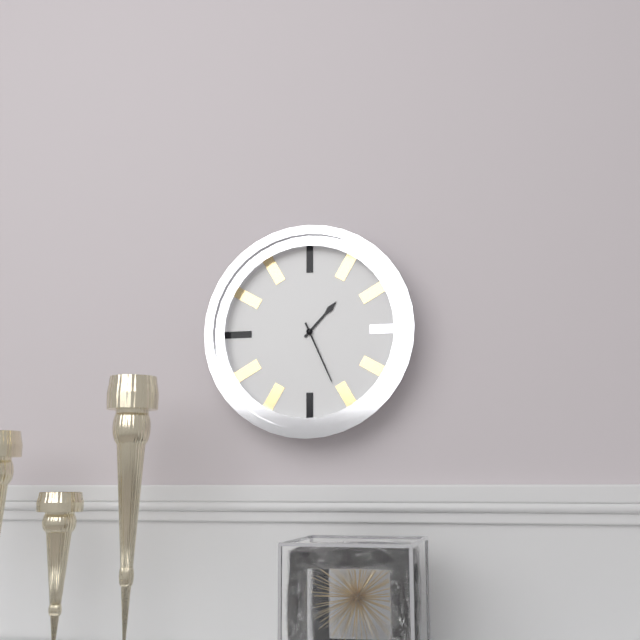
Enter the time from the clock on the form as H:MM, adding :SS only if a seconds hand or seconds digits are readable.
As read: 1:26
